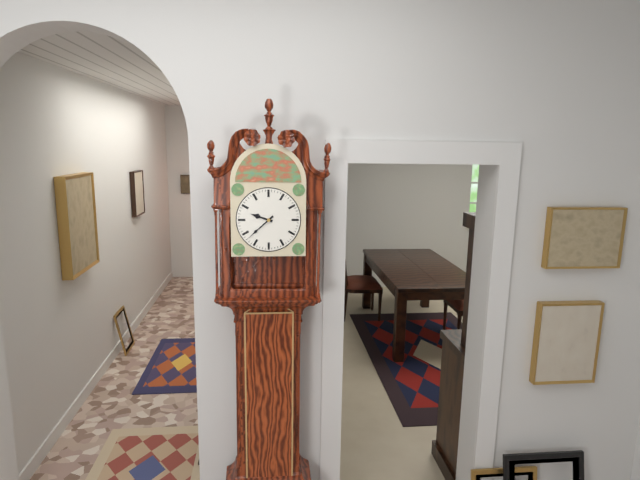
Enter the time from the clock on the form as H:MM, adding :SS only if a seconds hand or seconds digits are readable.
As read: 9:38
